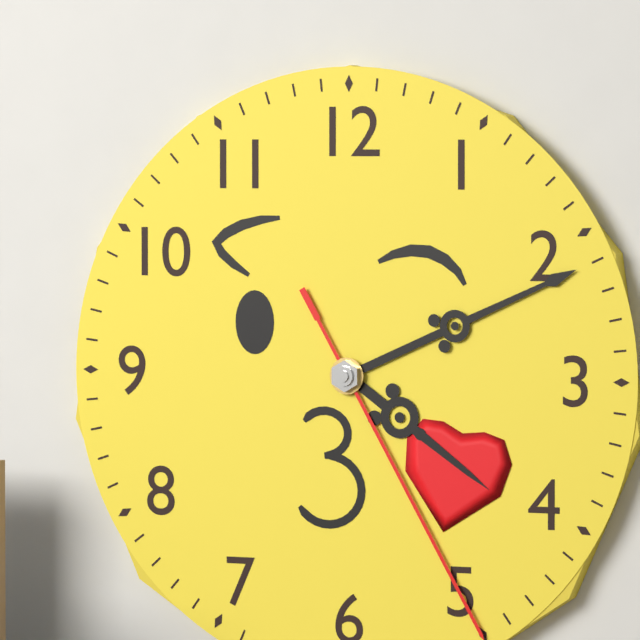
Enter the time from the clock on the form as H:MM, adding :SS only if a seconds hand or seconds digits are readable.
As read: 4:11
